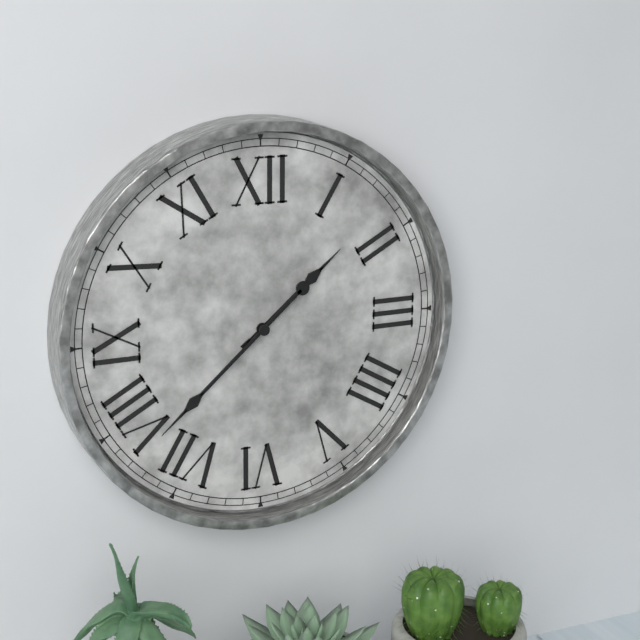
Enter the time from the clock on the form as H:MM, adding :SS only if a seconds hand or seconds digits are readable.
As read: 1:38
